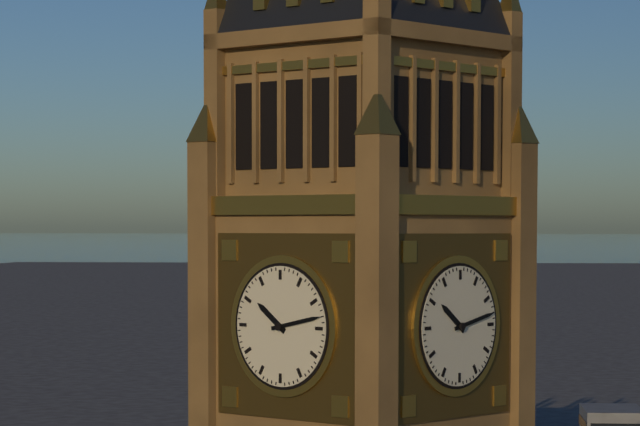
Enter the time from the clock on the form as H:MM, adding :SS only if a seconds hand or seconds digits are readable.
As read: 10:13
